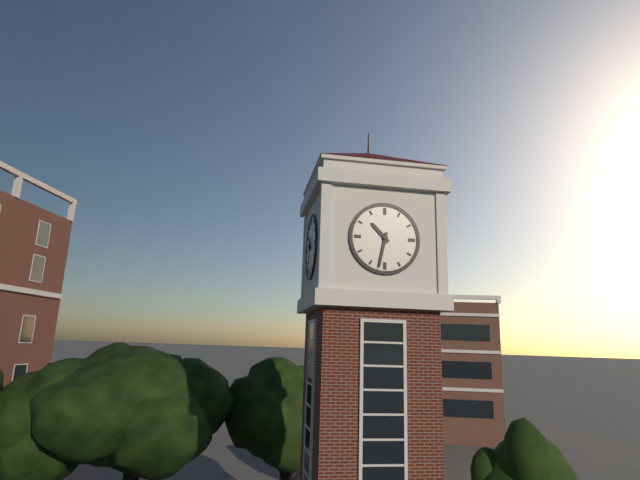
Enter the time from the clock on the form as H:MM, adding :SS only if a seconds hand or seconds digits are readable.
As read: 10:32
